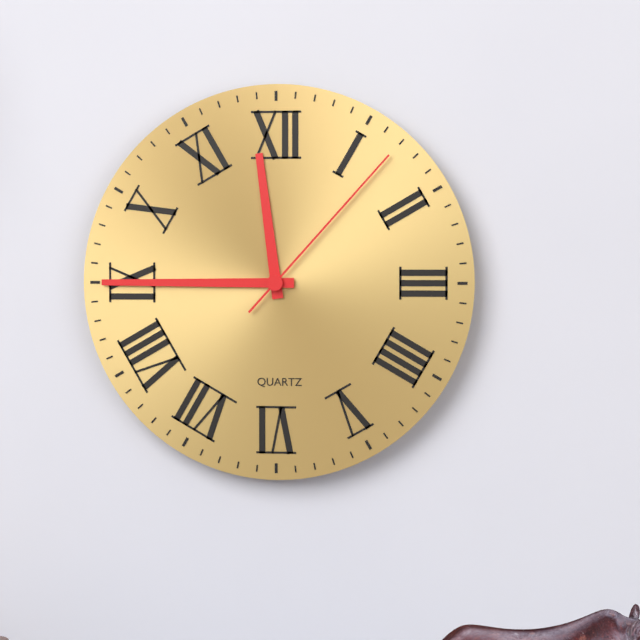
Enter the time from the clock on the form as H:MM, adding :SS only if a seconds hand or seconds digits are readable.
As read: 11:45:07
